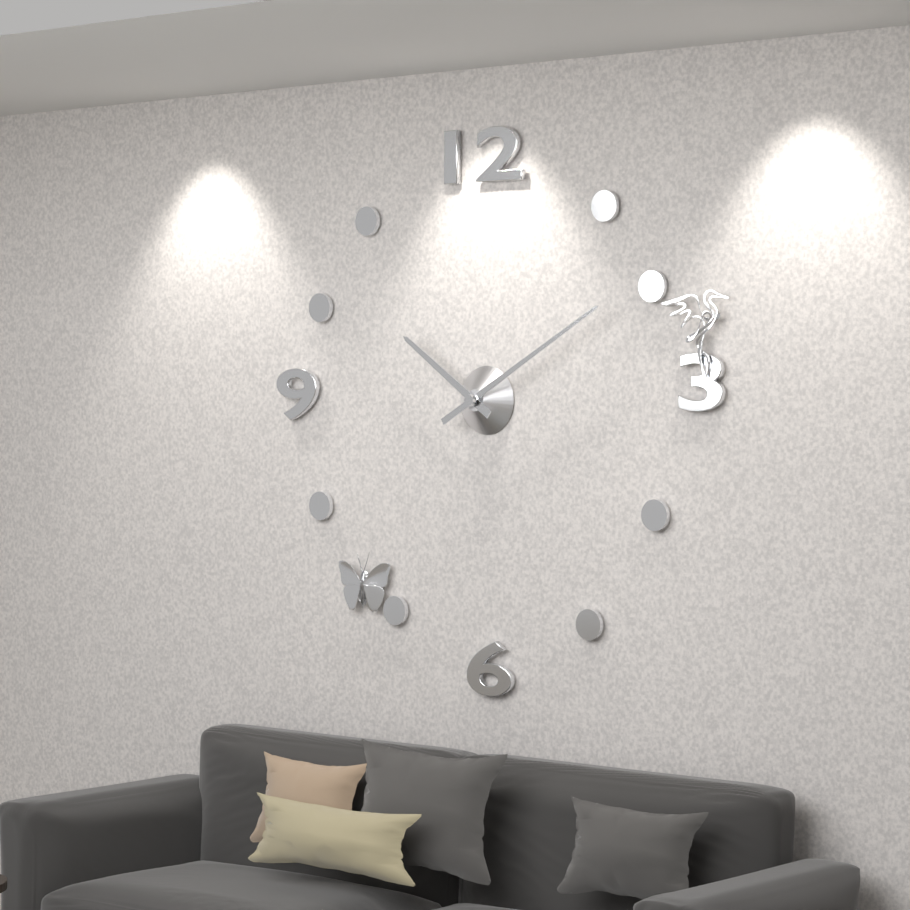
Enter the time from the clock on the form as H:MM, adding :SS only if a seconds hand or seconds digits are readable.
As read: 10:10
